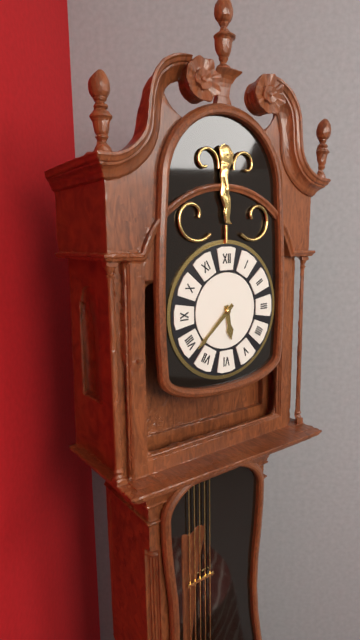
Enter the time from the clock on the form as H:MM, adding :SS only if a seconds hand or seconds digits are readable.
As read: 5:38
